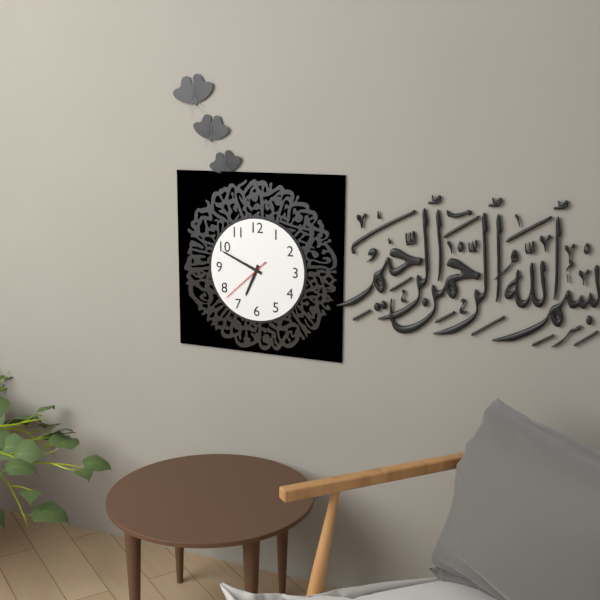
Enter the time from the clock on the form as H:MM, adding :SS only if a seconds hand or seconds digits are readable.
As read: 6:49:38
